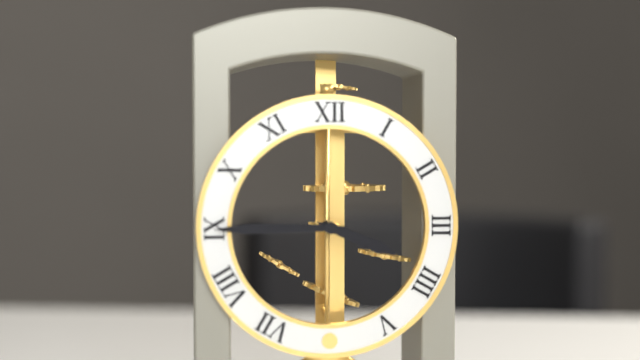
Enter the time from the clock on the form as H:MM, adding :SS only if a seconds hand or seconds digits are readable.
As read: 3:45
